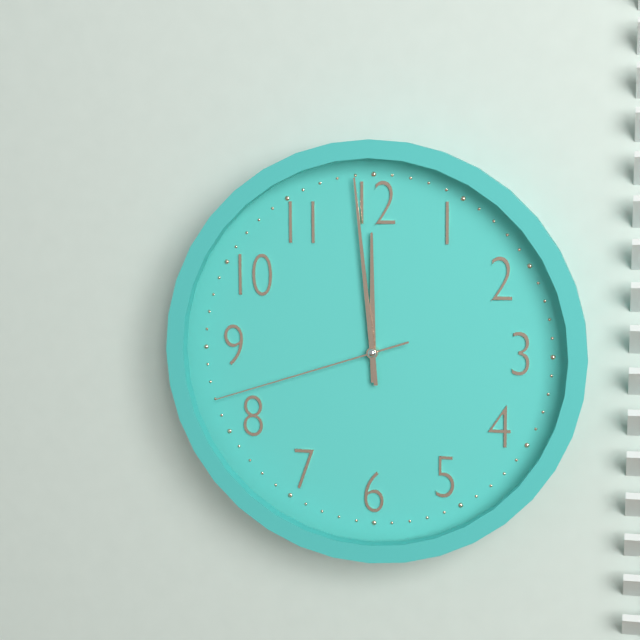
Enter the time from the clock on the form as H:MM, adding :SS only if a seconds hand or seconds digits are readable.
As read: 11:59:42
